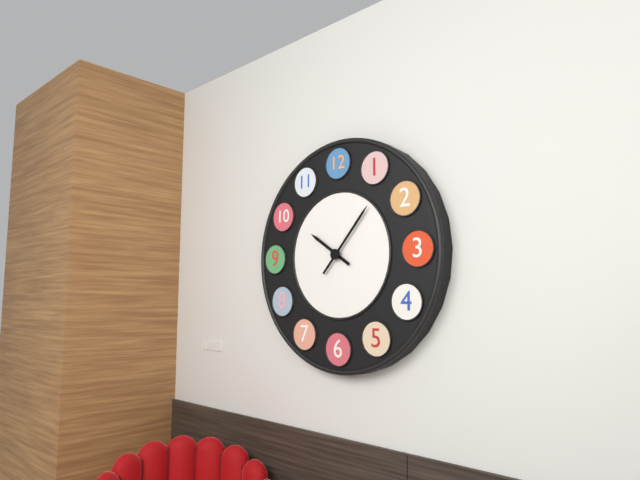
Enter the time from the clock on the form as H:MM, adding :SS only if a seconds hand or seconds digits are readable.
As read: 10:07
